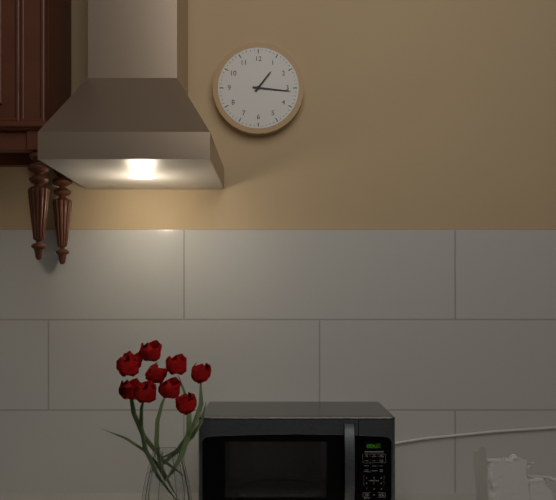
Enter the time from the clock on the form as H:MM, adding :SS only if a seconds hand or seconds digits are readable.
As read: 1:16
